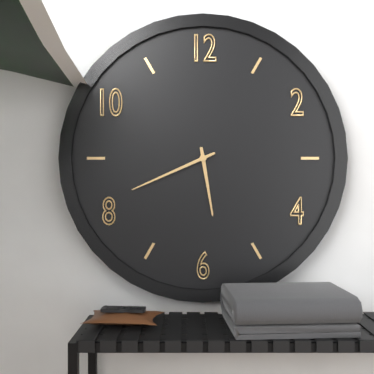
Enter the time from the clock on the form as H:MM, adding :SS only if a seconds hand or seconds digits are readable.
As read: 5:41
